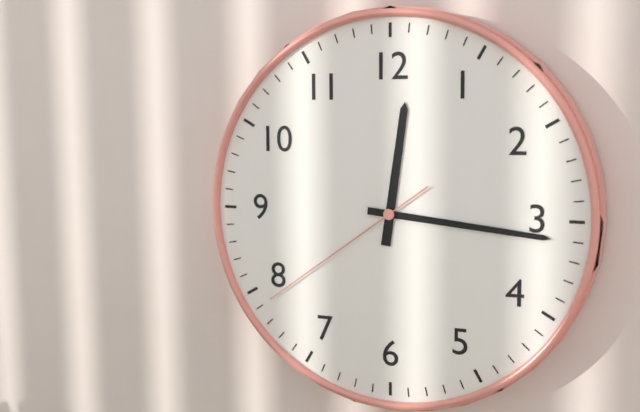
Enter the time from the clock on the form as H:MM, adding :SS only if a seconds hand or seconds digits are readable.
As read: 12:16:39
